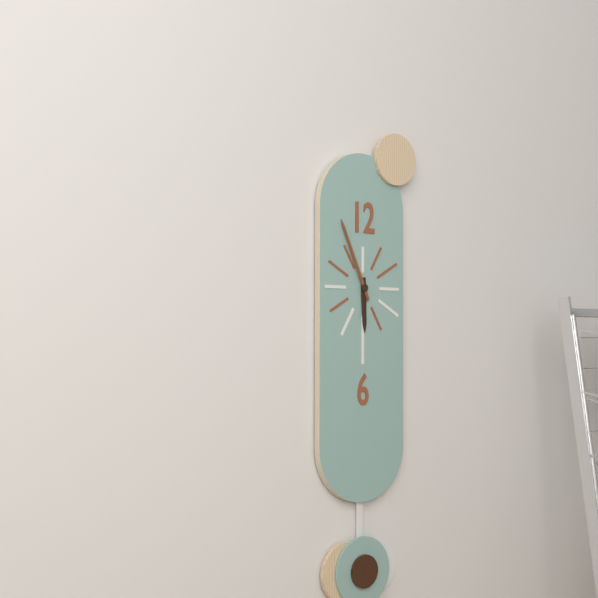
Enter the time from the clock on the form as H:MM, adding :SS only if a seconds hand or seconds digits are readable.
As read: 5:56
